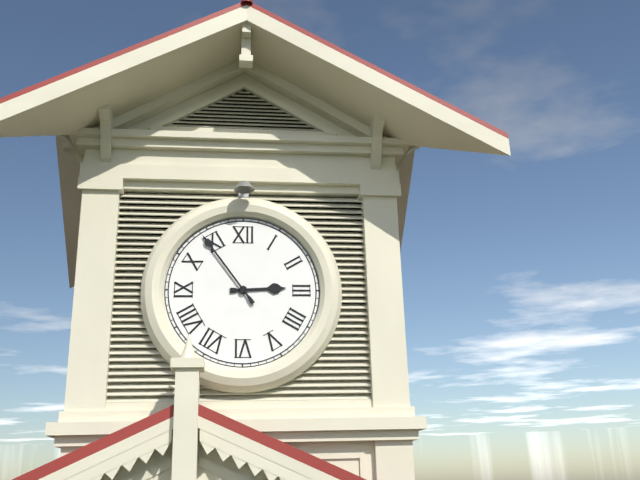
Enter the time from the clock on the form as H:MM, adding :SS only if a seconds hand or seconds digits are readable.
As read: 2:54
